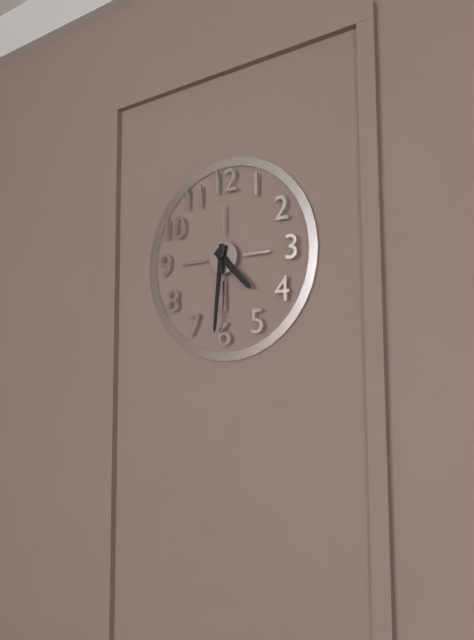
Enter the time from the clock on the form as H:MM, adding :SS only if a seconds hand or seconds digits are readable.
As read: 4:31
